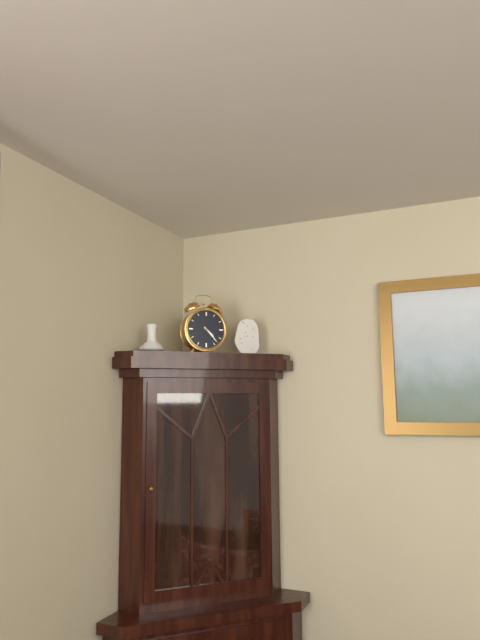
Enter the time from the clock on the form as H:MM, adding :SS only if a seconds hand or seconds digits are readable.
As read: 4:23
